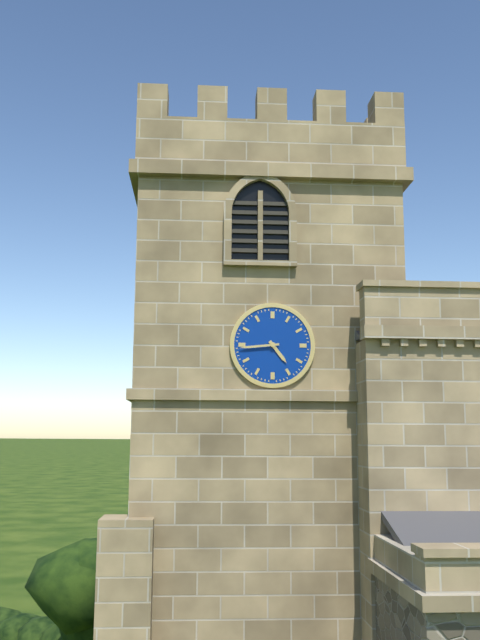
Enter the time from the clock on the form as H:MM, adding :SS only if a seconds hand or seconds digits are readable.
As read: 4:44
